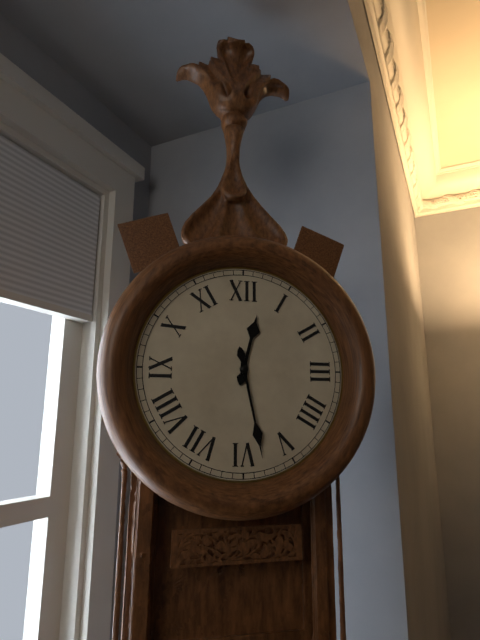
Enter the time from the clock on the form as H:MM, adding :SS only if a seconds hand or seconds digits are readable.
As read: 12:28
